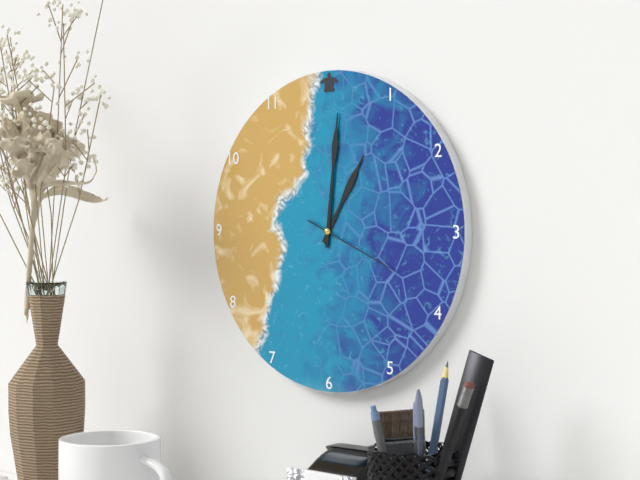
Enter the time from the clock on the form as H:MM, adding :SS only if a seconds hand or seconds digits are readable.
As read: 1:01:19
